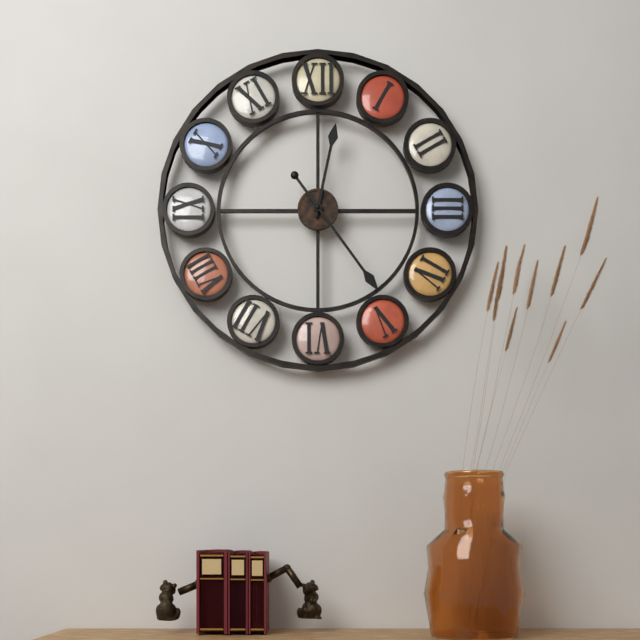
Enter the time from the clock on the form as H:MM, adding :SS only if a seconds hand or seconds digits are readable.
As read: 12:24
